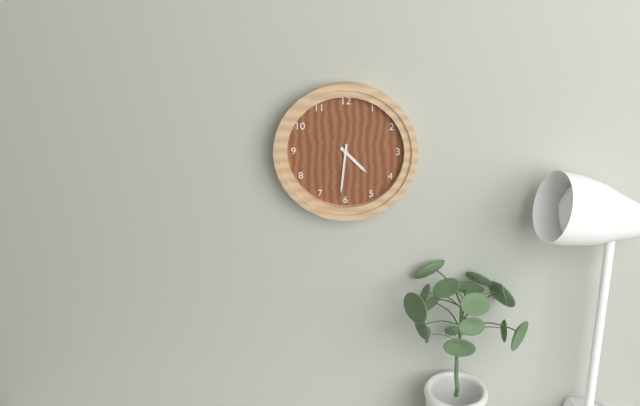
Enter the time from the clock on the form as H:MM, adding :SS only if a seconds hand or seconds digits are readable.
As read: 4:31
